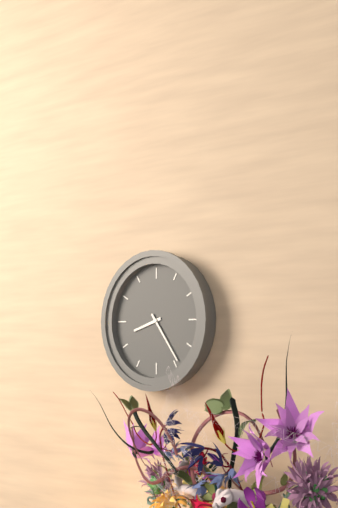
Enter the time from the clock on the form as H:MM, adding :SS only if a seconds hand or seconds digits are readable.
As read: 8:24
